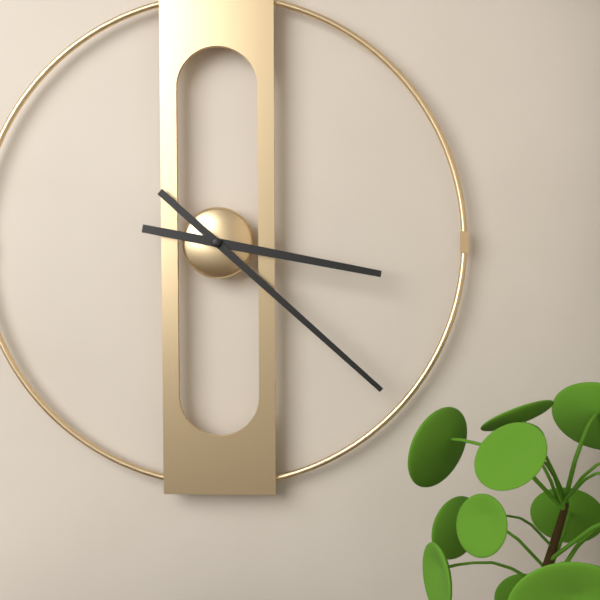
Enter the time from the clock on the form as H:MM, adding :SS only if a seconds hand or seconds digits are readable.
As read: 3:22
